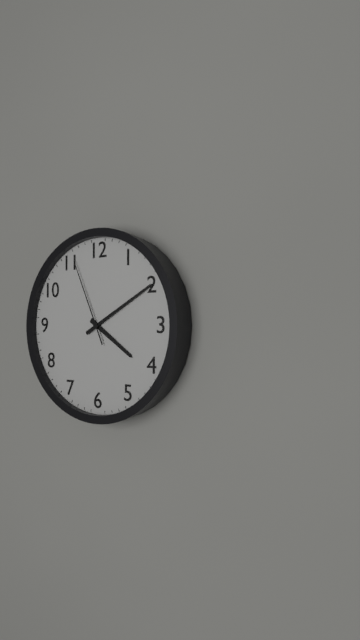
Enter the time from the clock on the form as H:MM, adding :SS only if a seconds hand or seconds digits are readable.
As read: 4:10:56
